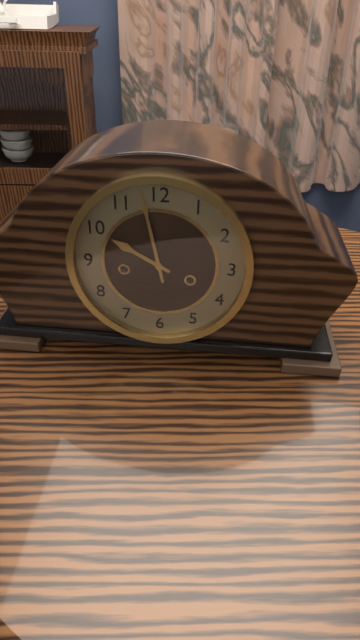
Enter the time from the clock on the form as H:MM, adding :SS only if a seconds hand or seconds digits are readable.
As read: 9:58
